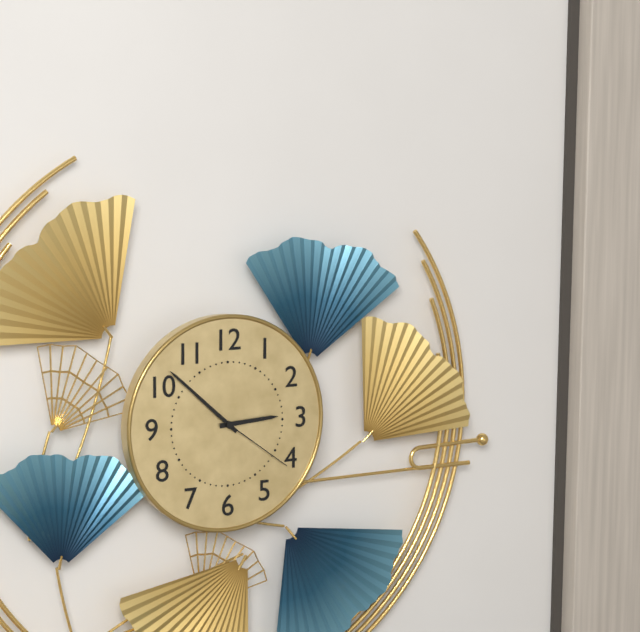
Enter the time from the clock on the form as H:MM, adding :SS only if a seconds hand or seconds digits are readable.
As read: 2:52:21
